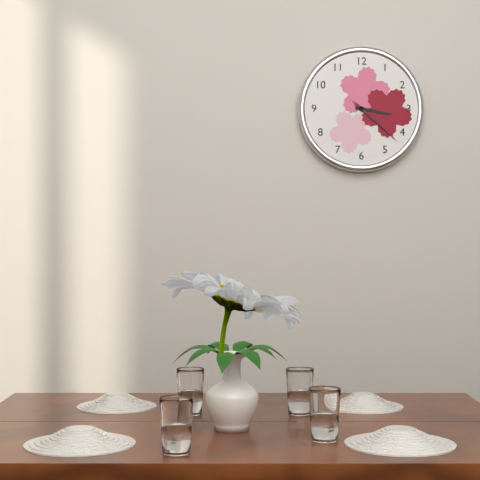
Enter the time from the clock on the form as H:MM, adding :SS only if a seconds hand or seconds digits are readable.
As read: 3:22:22
